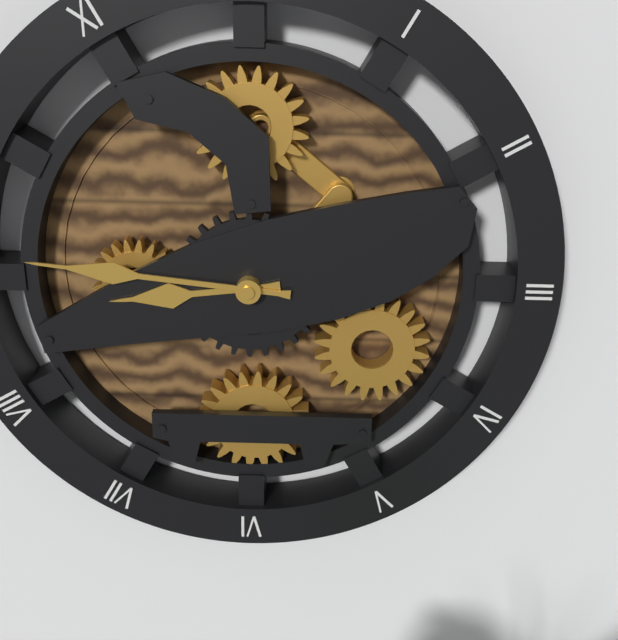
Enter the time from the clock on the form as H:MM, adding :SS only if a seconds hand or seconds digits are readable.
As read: 8:46
